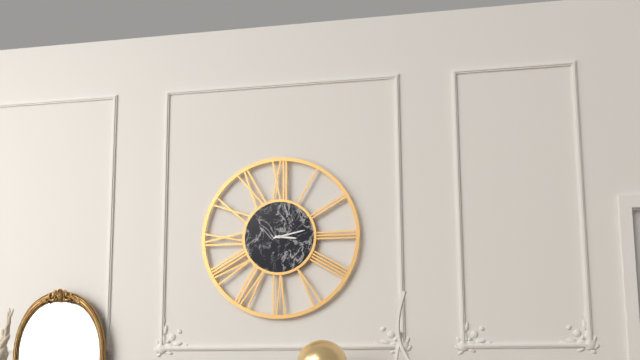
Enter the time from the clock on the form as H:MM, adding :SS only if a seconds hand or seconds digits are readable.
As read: 3:13
